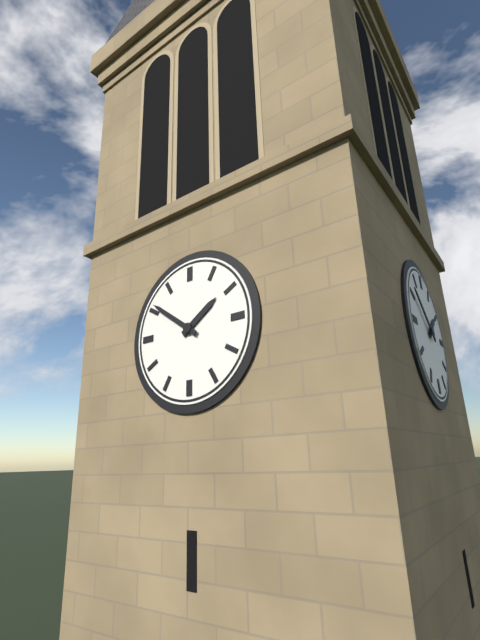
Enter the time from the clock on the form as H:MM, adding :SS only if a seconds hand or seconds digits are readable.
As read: 1:51
